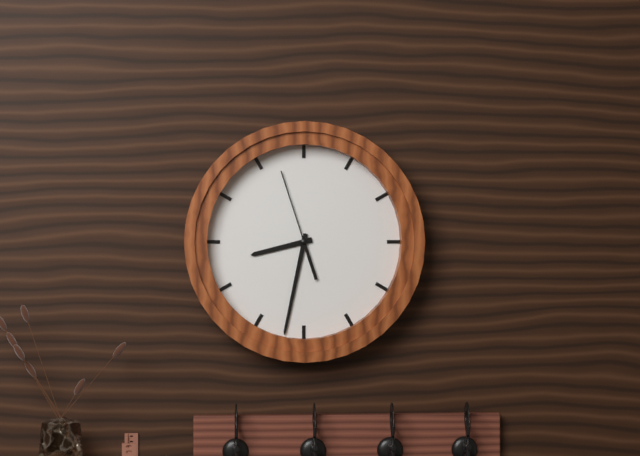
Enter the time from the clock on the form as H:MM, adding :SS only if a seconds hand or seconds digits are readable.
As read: 8:32:57
